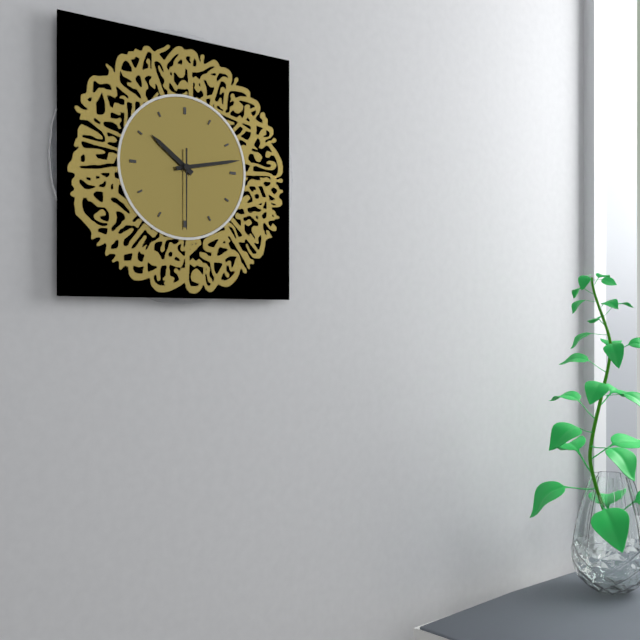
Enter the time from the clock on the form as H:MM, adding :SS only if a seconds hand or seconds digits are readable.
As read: 10:13:30
